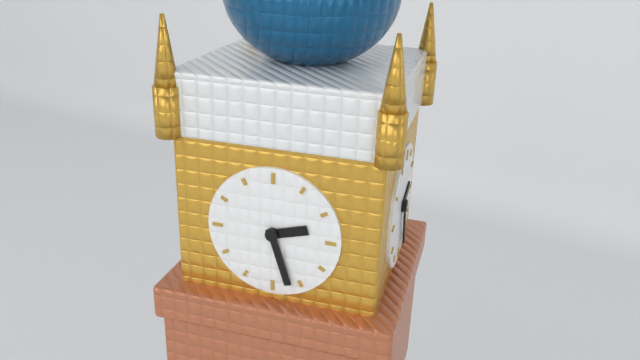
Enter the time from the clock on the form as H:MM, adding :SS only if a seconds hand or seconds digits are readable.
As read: 2:27
